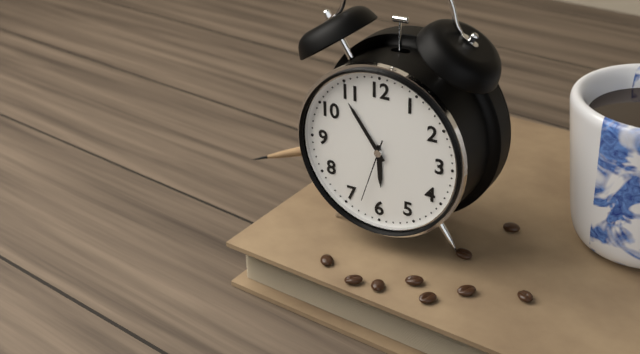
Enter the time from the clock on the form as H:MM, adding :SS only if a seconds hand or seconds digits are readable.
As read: 5:54:33
